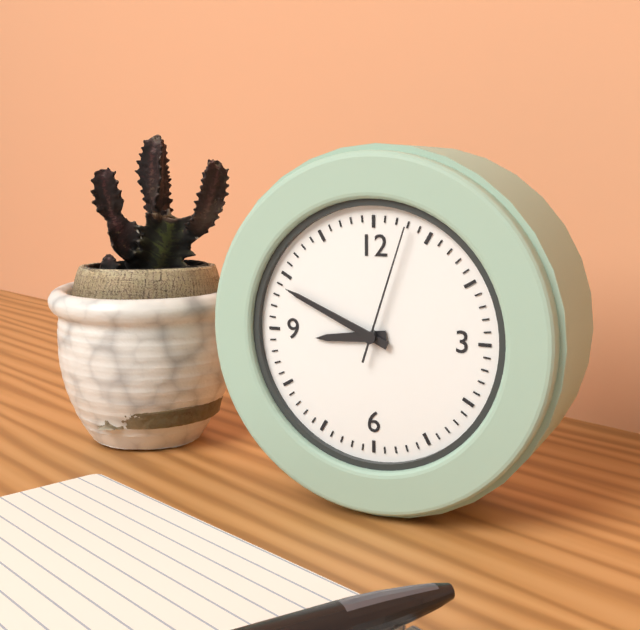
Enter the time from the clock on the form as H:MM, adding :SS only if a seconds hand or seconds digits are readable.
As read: 8:49:03
